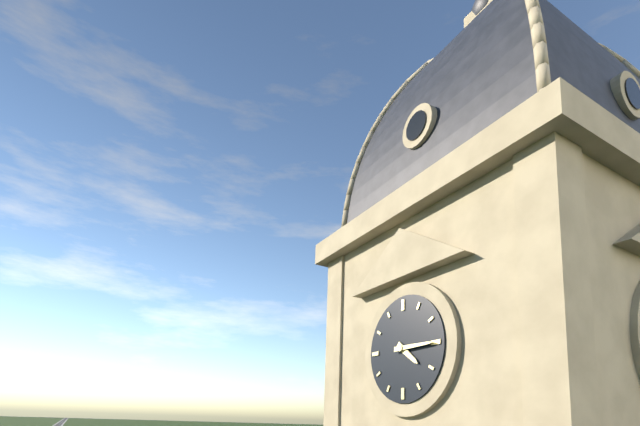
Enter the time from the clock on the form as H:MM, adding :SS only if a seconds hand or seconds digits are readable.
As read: 4:15
